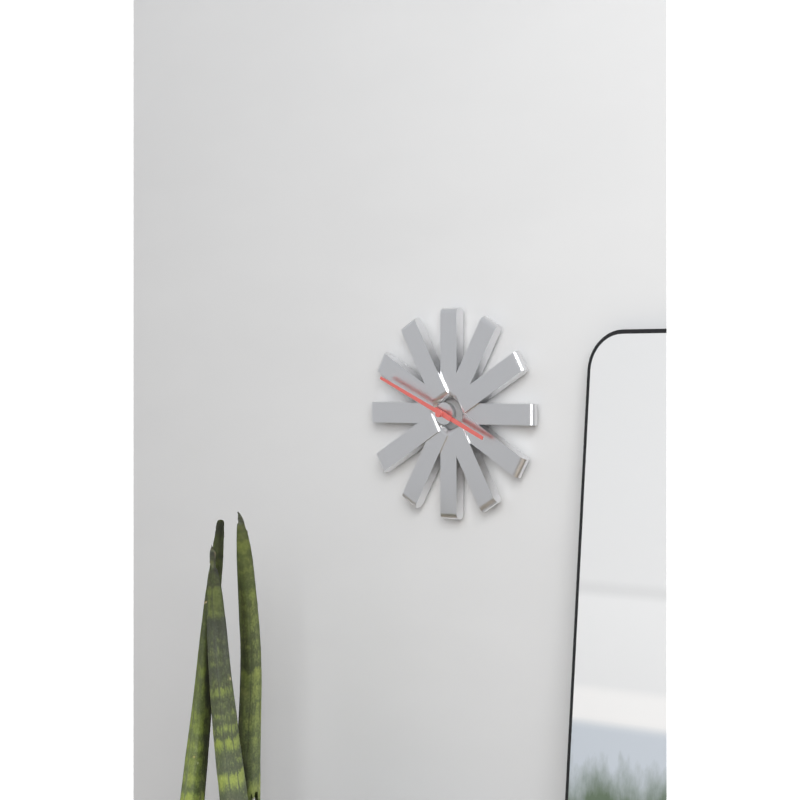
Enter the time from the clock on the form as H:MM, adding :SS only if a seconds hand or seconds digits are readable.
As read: 3:49
